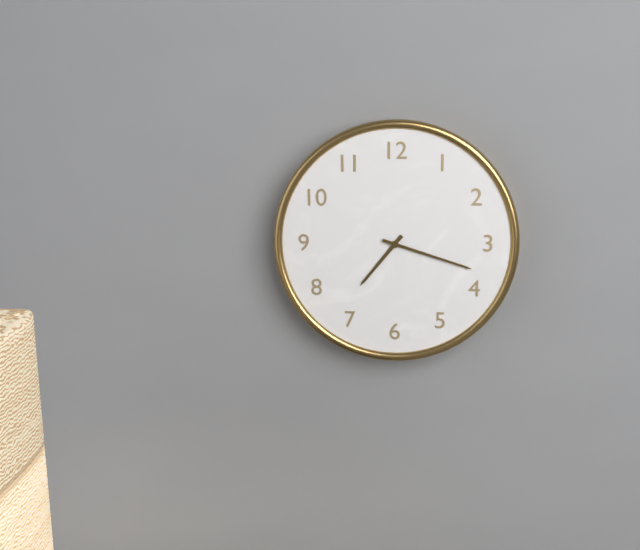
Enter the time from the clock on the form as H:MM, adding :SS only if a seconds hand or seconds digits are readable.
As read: 7:18
